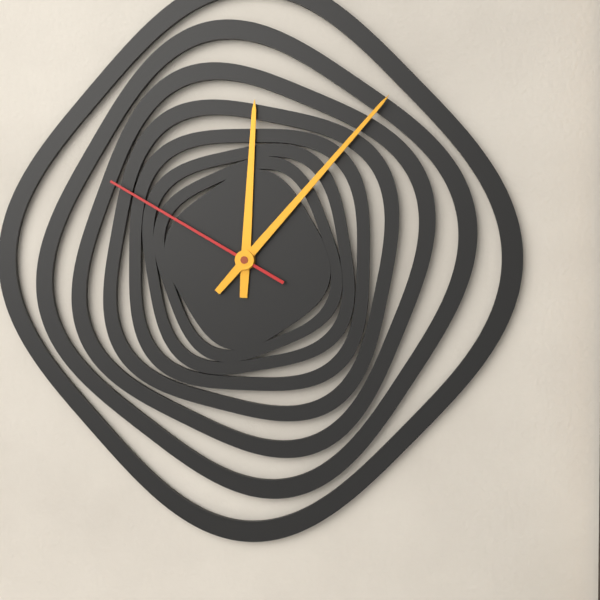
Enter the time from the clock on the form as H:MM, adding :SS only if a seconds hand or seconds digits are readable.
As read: 12:07:50
